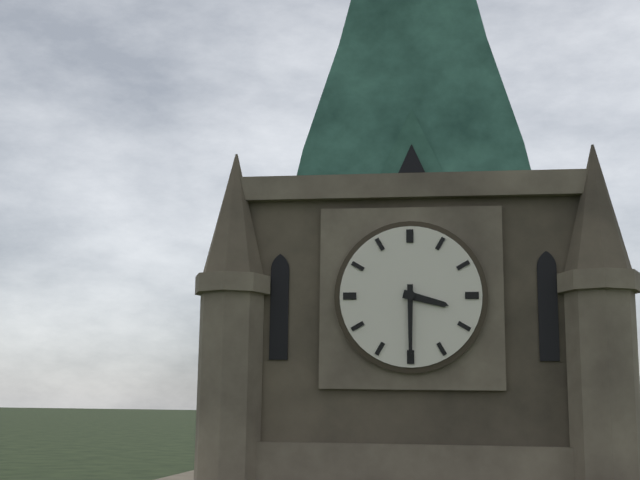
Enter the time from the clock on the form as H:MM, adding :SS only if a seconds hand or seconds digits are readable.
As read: 3:30
